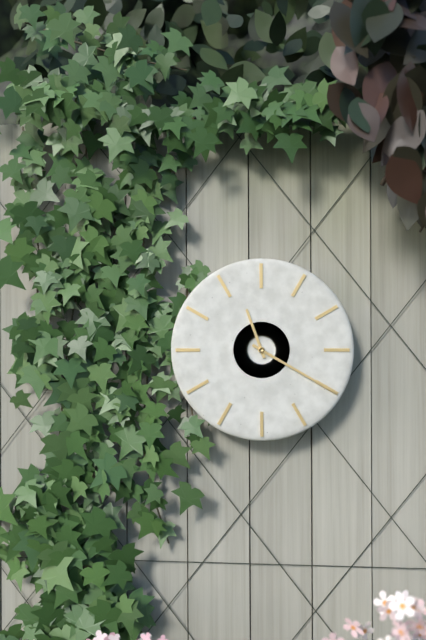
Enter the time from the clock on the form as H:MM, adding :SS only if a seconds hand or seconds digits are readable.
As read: 11:20
